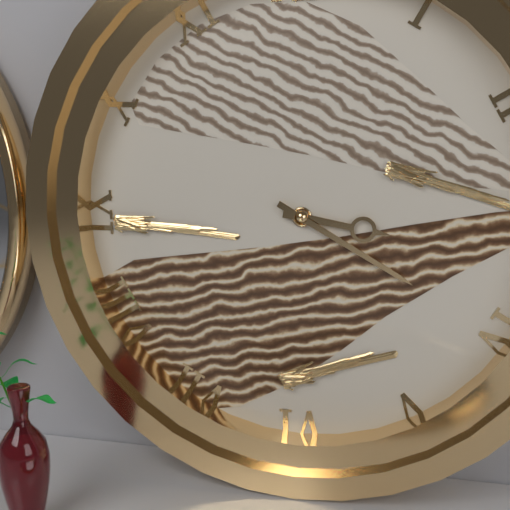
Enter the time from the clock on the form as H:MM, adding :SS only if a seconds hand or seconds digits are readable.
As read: 3:20
